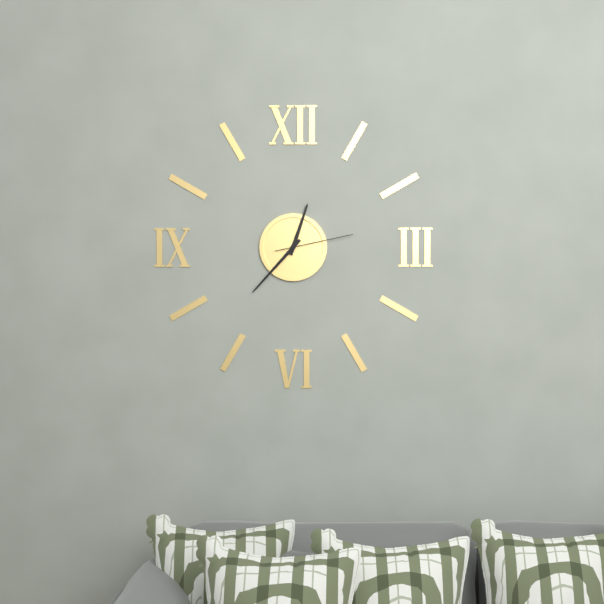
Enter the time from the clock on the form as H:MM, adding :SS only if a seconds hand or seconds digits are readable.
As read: 12:37:13
